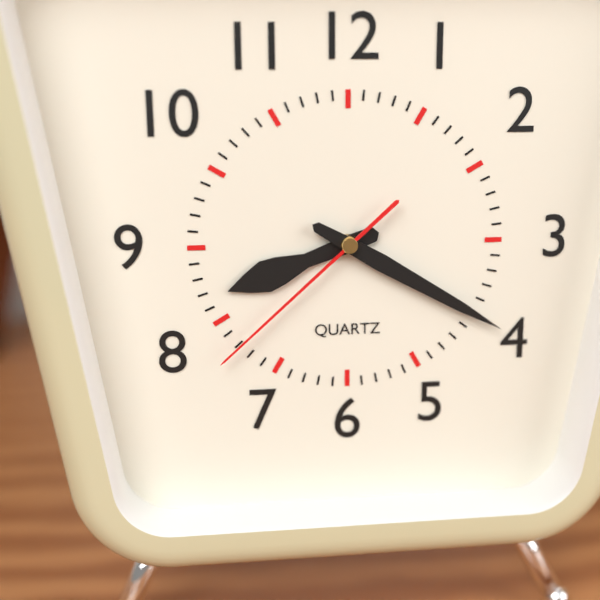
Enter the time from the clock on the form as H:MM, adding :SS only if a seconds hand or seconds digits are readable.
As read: 8:20:38
